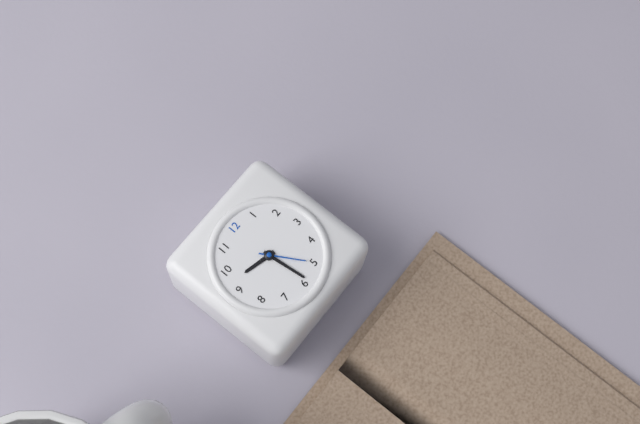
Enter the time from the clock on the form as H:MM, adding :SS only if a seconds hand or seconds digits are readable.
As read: 9:29
